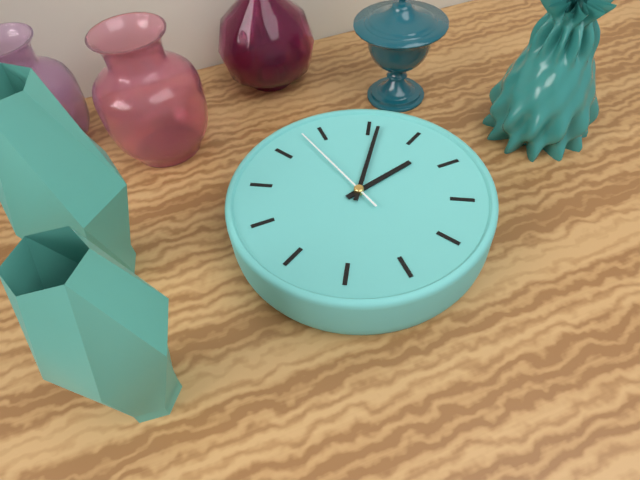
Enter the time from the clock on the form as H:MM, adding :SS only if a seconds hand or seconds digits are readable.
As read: 7:31:23
